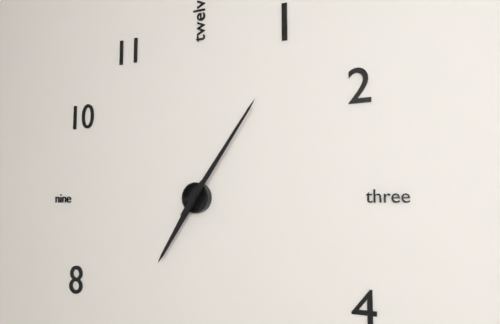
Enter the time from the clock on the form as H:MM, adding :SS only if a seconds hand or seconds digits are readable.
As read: 7:06
